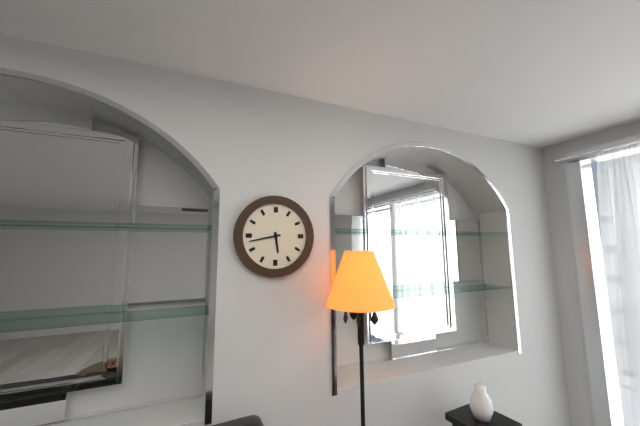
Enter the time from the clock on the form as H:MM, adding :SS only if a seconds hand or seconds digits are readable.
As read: 5:43
